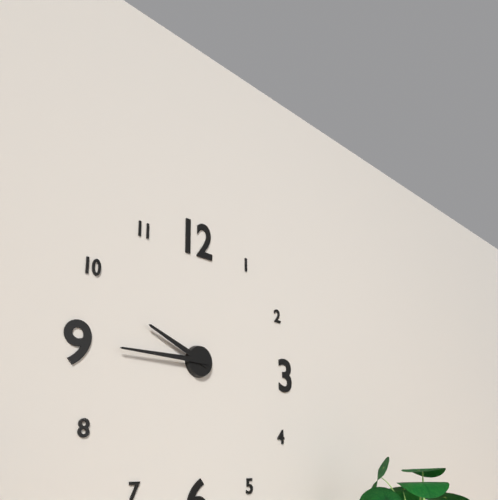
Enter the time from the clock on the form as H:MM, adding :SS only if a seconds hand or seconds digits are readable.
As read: 9:45
